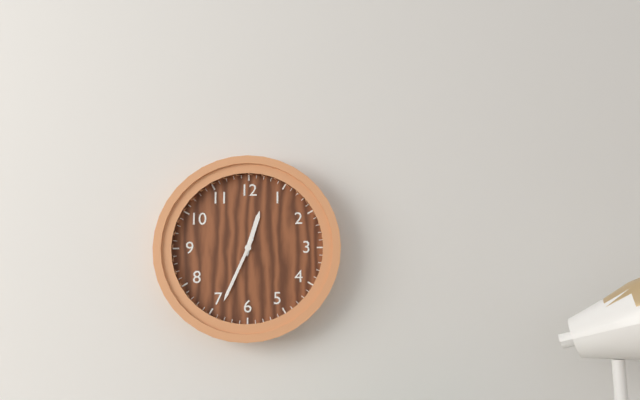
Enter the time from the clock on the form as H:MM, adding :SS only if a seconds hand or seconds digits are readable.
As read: 12:34
